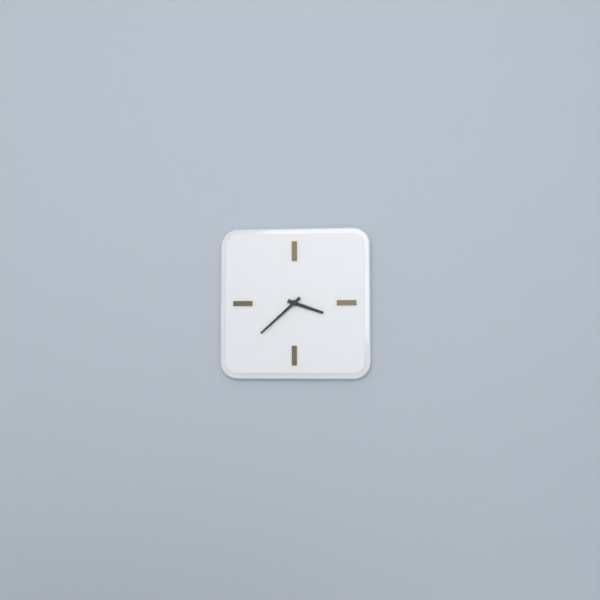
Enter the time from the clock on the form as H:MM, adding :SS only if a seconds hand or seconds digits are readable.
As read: 3:38
